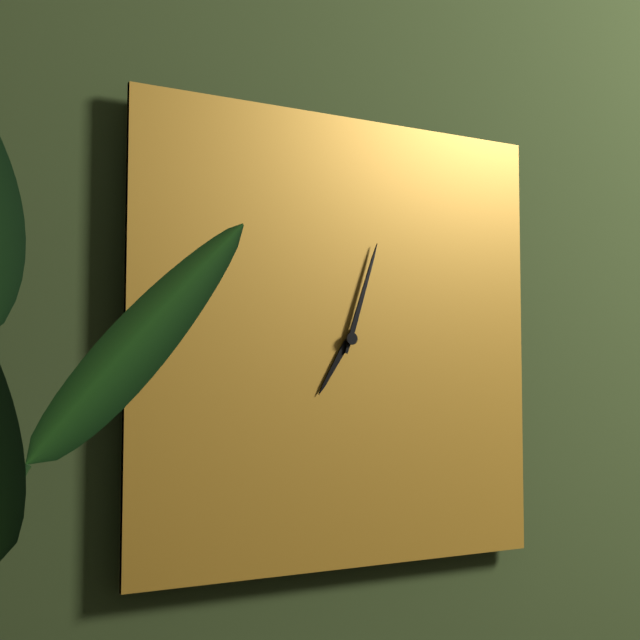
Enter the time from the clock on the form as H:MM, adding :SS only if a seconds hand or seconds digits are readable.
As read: 7:03
